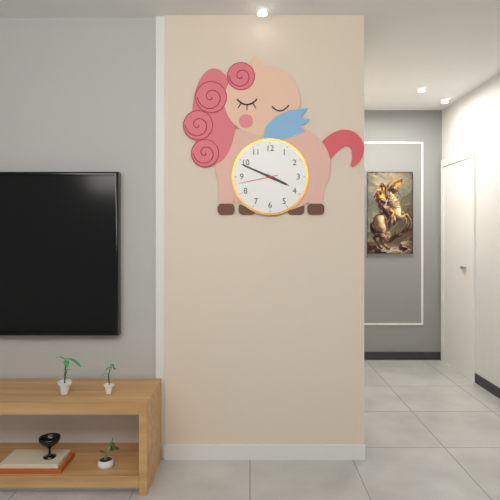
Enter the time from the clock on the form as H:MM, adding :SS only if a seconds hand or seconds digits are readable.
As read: 3:49
